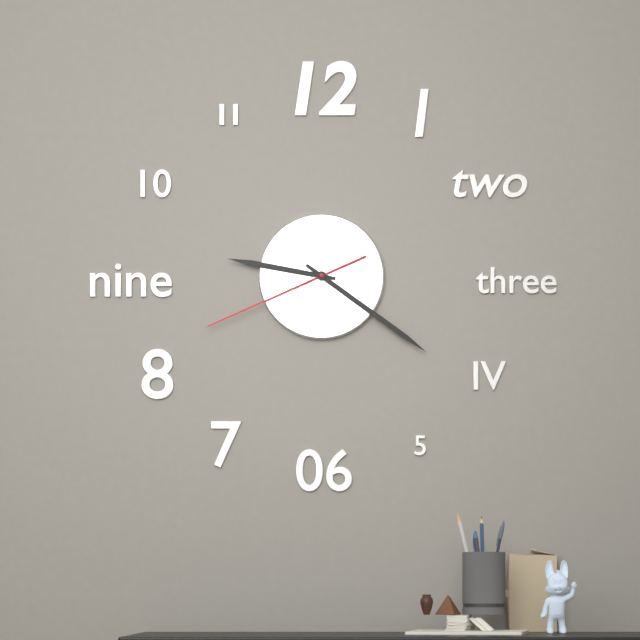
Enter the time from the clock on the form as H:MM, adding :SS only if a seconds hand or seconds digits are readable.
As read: 9:21:41
